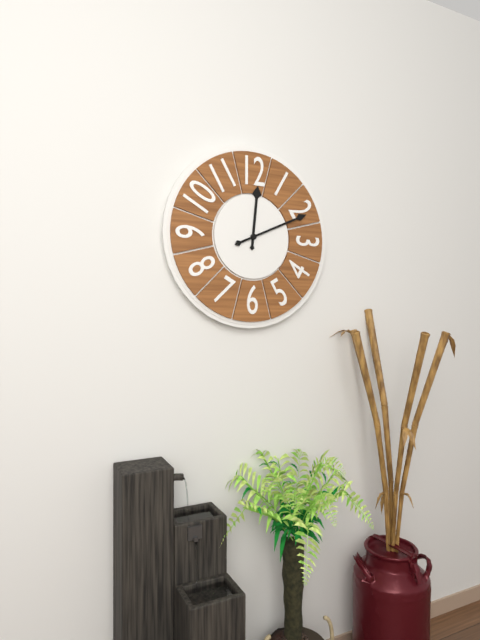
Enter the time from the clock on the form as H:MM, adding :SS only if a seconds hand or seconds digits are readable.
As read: 12:11
